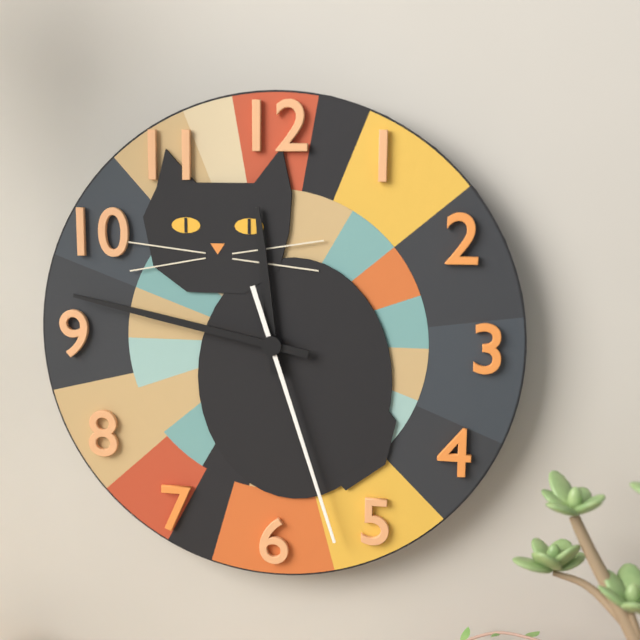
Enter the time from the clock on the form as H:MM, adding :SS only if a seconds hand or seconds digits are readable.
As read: 11:47:27
